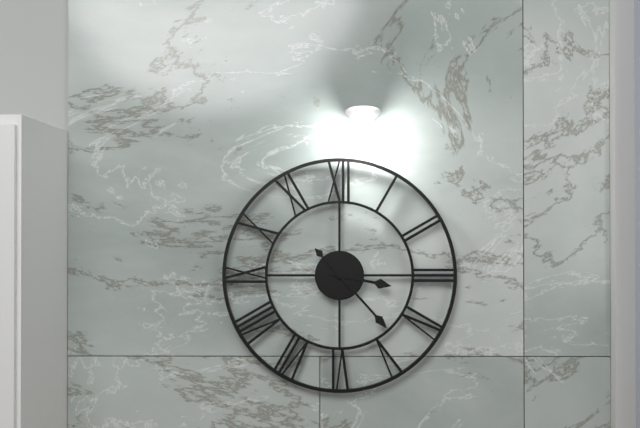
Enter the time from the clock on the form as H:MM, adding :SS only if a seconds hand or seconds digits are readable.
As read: 3:23
